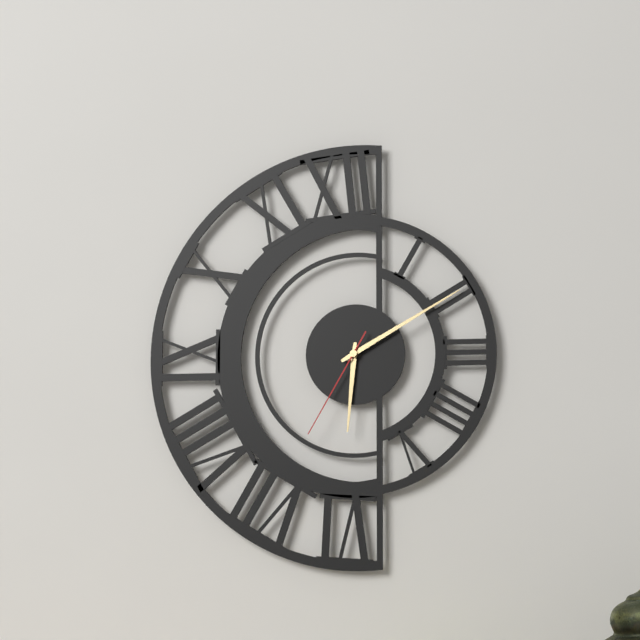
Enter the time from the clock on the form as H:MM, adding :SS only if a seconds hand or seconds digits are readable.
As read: 6:10:35
